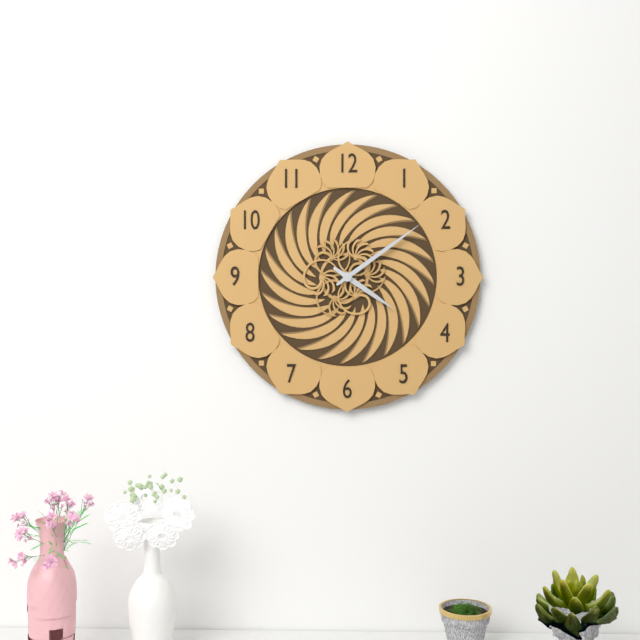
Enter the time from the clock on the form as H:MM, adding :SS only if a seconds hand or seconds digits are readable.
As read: 4:09
